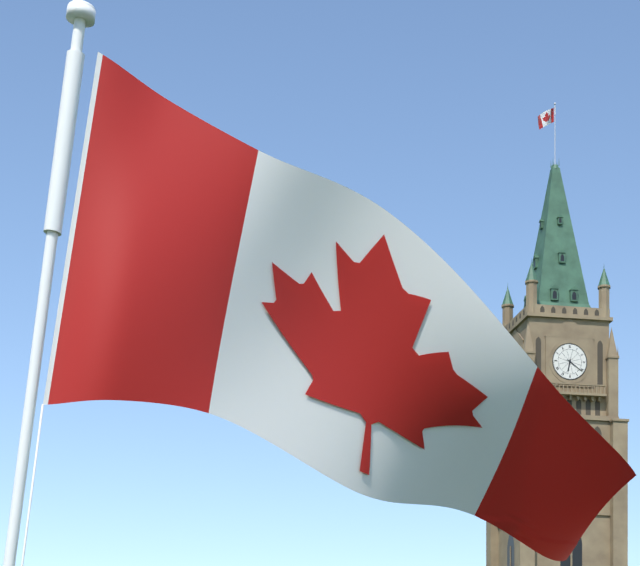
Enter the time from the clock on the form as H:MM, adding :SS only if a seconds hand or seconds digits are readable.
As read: 6:21
